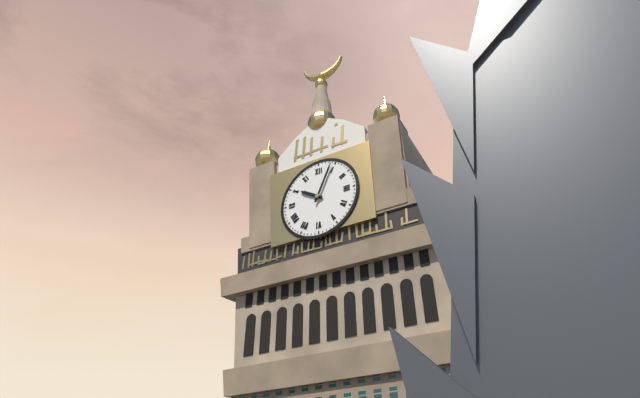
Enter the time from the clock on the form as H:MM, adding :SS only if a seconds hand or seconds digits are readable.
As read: 10:04
